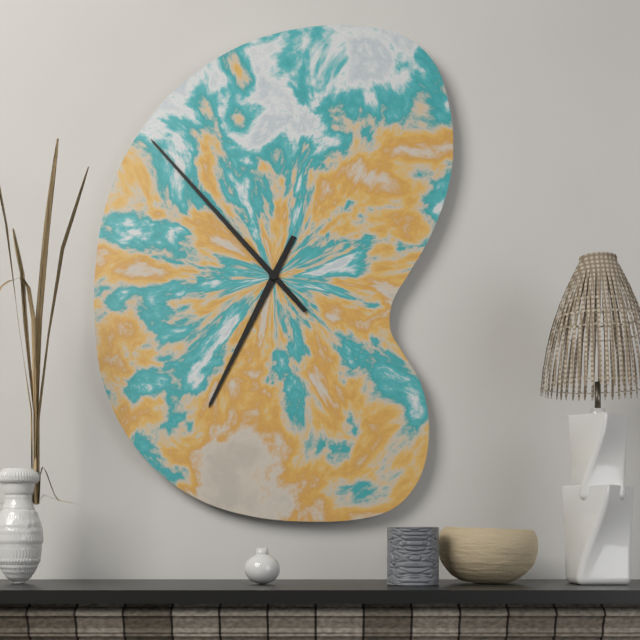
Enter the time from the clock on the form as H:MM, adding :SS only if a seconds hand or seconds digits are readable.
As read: 6:53
